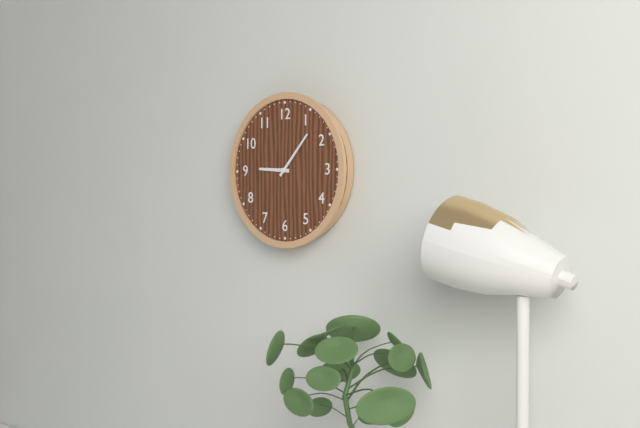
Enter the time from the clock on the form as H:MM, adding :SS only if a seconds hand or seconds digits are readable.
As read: 9:07
